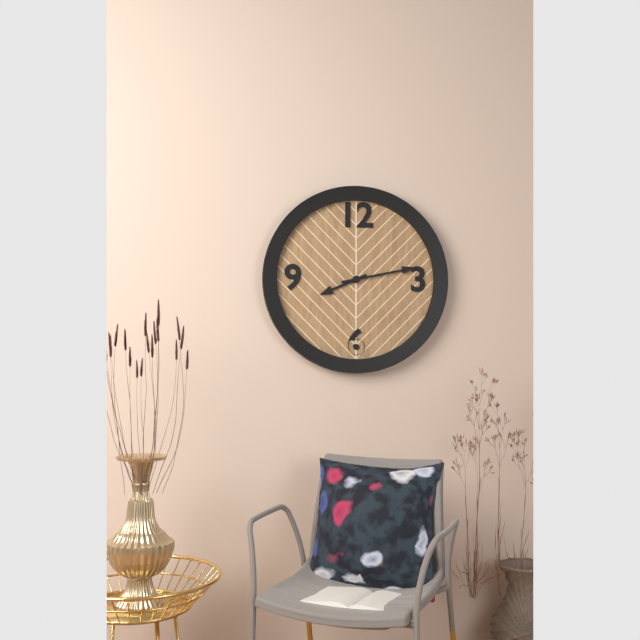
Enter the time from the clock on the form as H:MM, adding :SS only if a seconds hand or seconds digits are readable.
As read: 8:13
